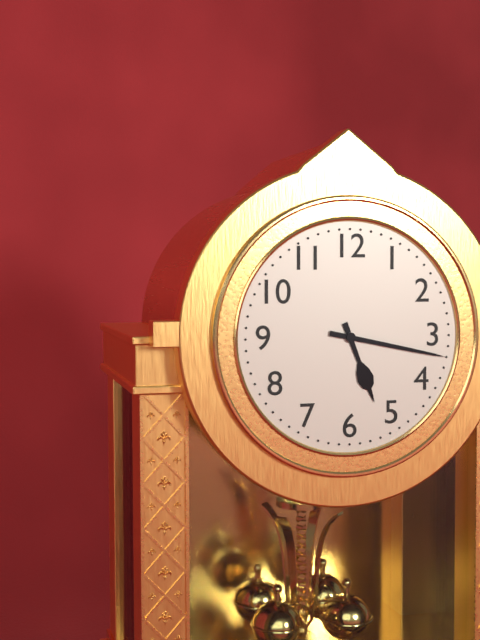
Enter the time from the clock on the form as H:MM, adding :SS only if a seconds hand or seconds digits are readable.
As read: 5:17
